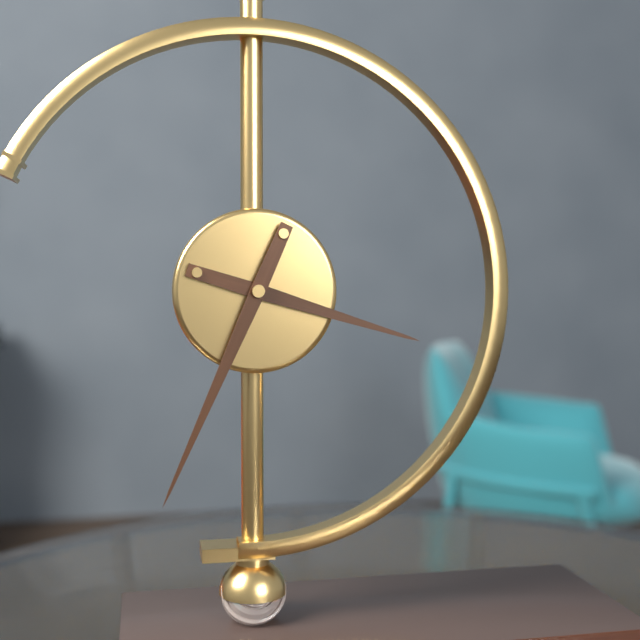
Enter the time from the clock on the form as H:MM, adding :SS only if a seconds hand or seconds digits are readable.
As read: 3:34
